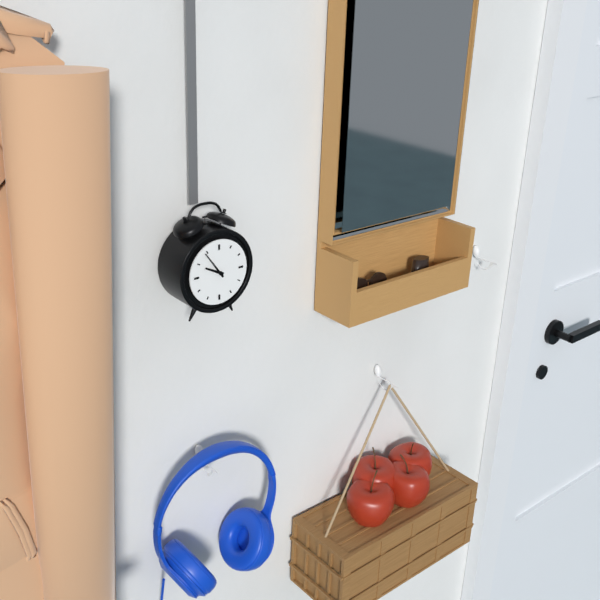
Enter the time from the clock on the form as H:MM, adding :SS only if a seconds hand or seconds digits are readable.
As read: 9:54
